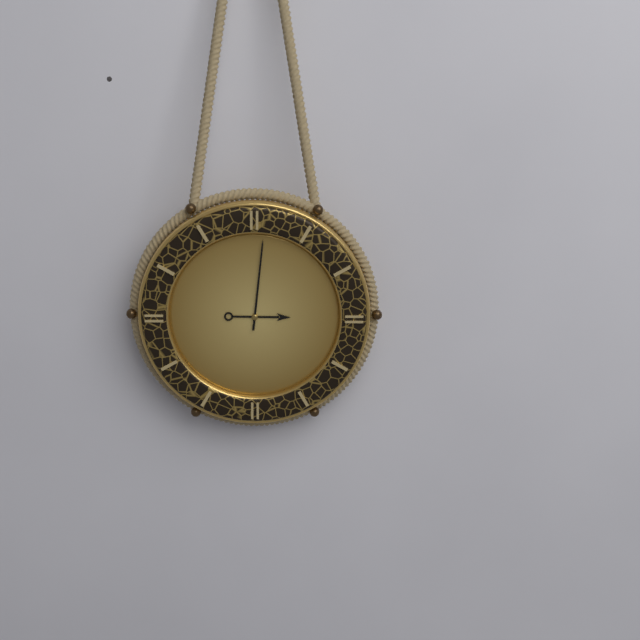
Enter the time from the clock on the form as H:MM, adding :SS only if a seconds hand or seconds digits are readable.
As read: 3:01
